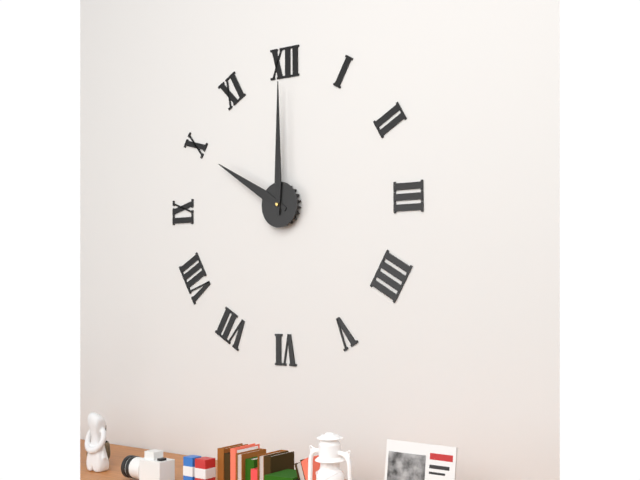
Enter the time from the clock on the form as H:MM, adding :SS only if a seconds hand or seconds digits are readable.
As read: 10:00
